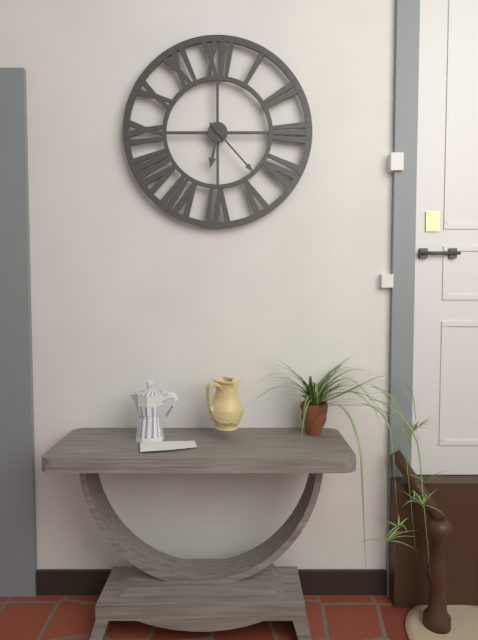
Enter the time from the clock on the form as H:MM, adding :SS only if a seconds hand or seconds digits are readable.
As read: 6:23
